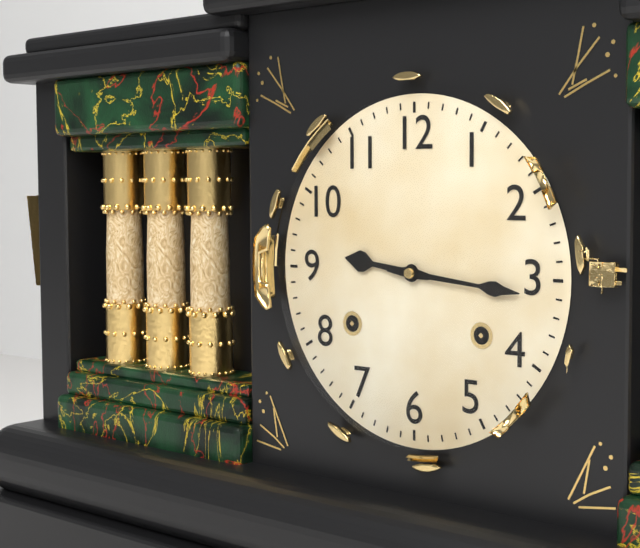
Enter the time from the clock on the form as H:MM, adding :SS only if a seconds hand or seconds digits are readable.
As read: 9:16
